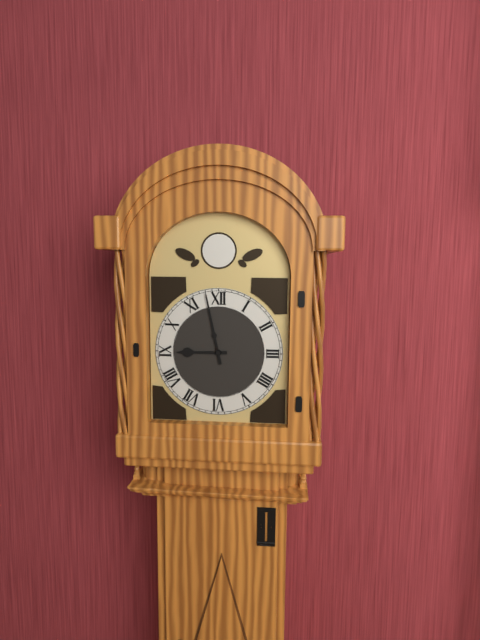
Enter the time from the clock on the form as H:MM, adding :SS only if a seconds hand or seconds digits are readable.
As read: 8:58
